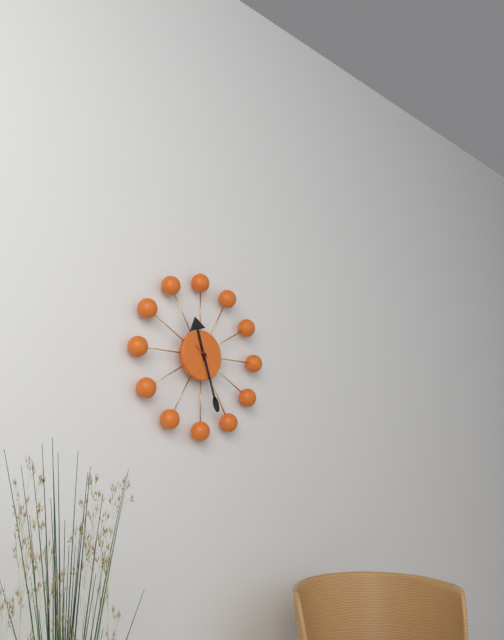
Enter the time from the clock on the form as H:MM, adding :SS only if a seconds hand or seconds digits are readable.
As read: 11:27
